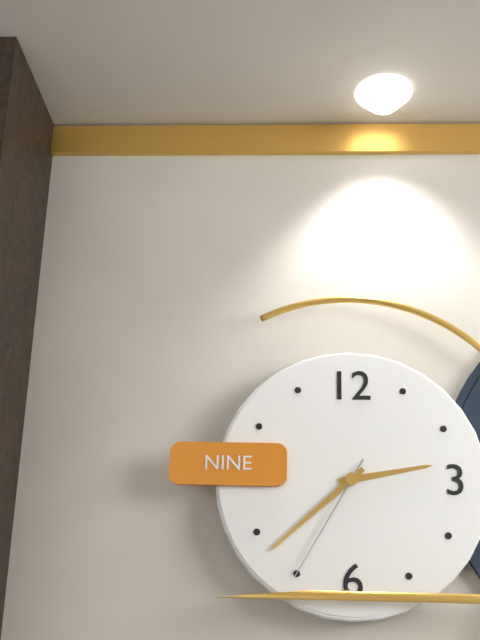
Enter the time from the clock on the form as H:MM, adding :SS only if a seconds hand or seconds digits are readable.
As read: 2:38:35
